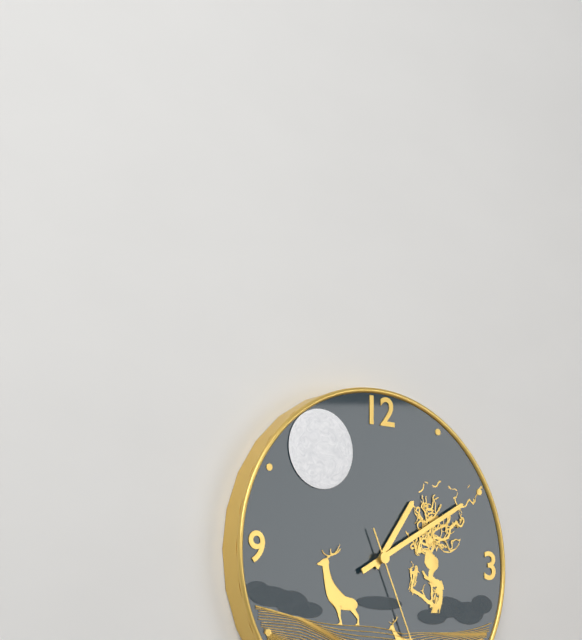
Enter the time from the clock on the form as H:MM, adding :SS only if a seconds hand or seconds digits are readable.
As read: 1:10
